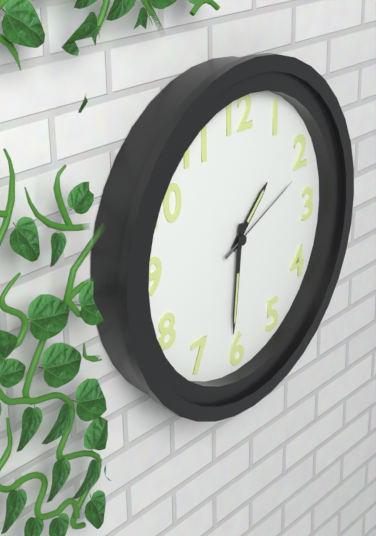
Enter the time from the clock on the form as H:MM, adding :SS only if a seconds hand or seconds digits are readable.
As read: 1:31:11
